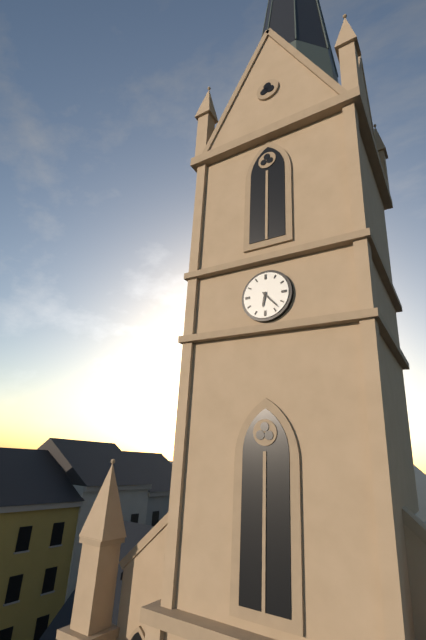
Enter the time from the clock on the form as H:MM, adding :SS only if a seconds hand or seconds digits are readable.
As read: 6:23
